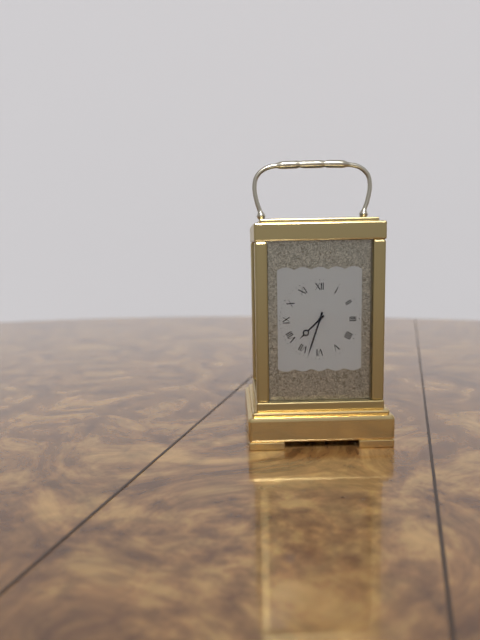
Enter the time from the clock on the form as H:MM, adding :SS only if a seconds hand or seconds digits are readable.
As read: 7:33
